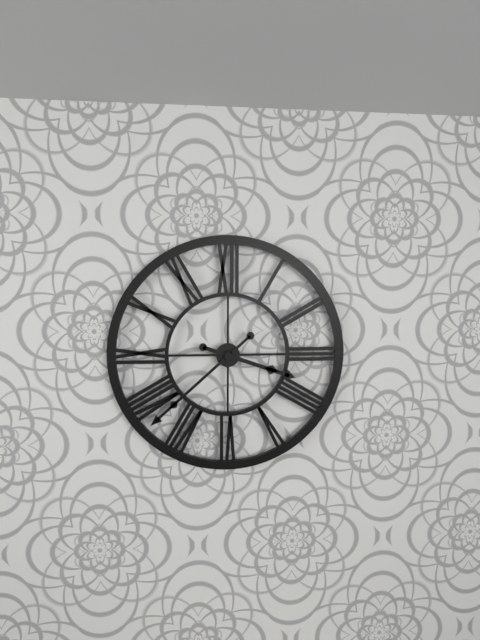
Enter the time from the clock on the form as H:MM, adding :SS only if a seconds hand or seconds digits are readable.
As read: 3:38
